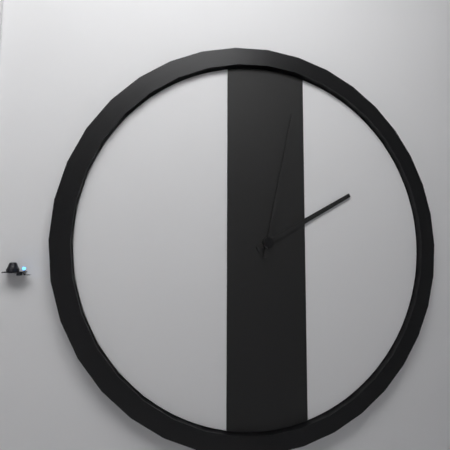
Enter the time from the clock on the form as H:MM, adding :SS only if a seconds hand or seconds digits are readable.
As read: 2:02
